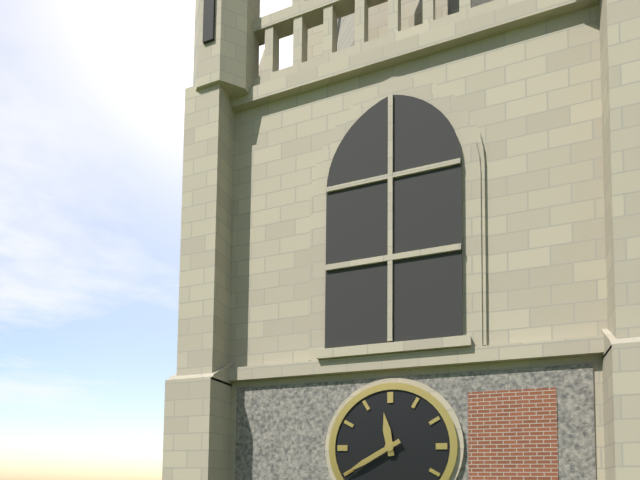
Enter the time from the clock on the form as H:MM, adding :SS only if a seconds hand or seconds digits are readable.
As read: 11:40
